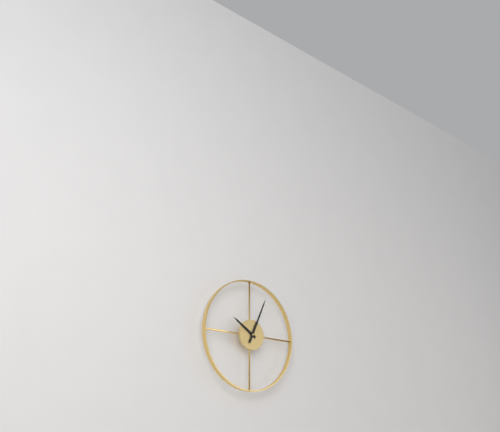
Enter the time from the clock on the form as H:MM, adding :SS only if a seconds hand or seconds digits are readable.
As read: 10:04
